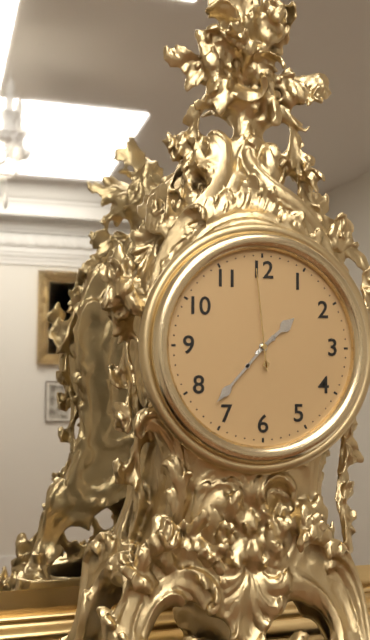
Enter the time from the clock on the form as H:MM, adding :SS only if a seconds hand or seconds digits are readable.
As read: 1:37:59
